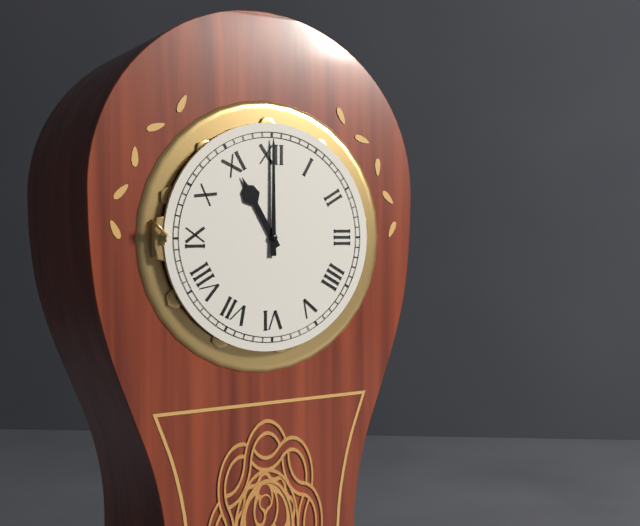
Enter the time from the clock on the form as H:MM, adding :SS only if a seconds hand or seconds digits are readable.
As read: 11:00
